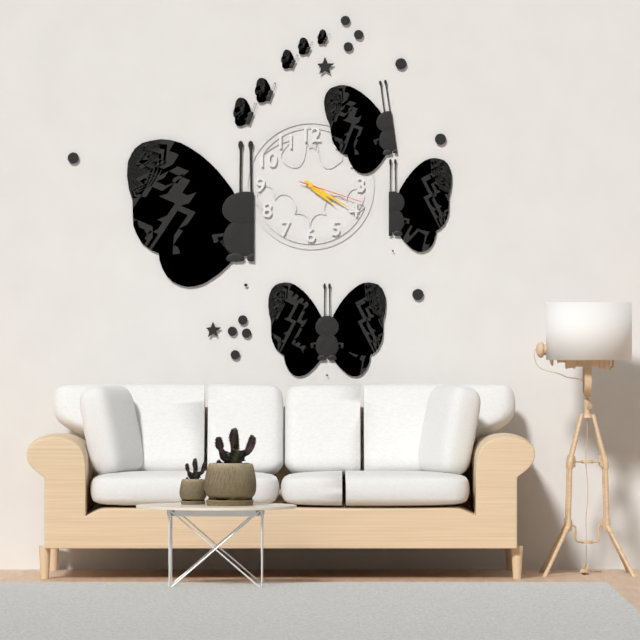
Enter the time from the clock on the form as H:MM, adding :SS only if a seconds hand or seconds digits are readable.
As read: 4:20:18
